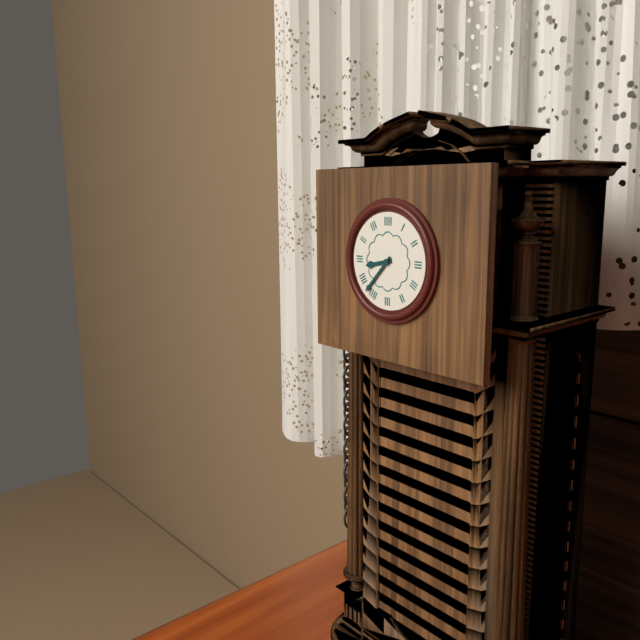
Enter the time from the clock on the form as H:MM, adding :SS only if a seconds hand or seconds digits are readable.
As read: 8:37
